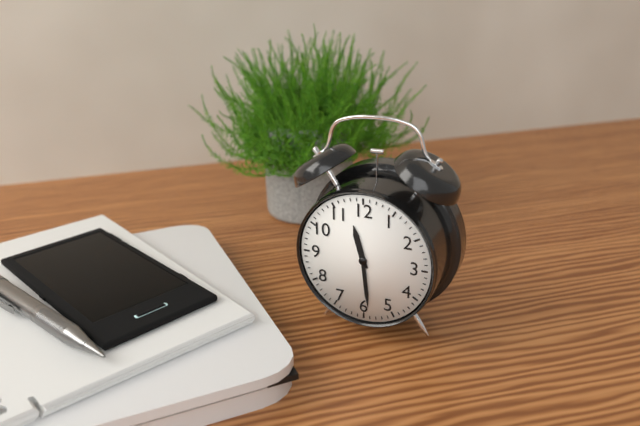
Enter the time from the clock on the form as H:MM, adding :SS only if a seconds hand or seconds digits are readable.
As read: 11:29
